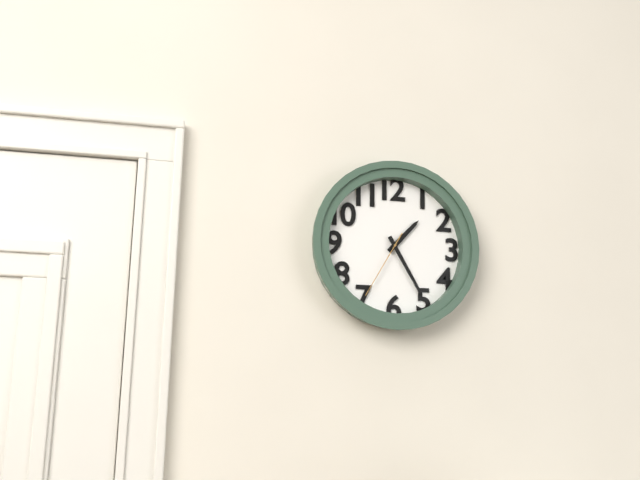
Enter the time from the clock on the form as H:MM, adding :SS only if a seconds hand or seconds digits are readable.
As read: 1:25:35
